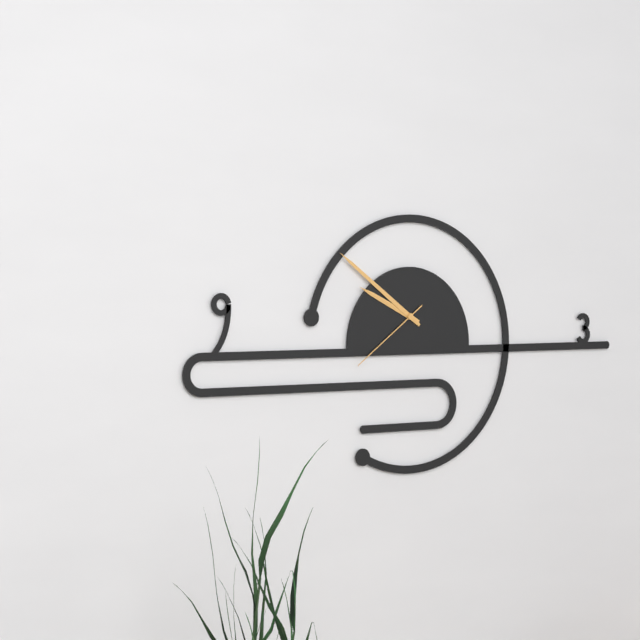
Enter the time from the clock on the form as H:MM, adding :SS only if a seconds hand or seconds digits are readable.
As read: 9:51:39
